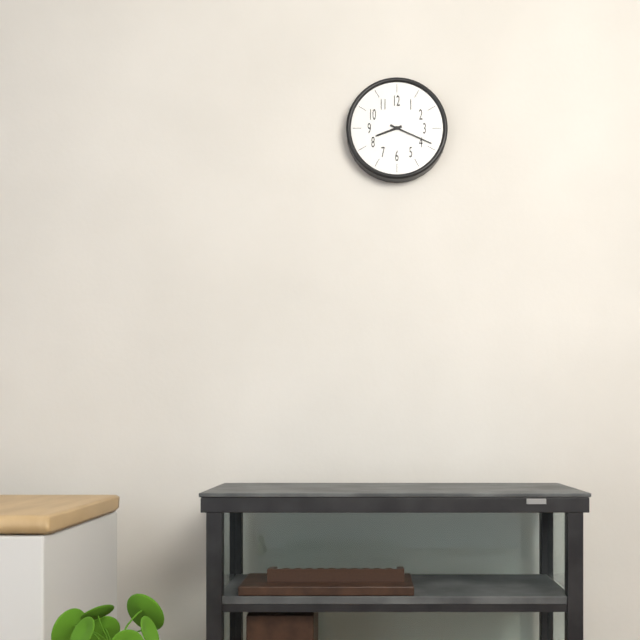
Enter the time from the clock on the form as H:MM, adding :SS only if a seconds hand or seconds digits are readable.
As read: 8:19
